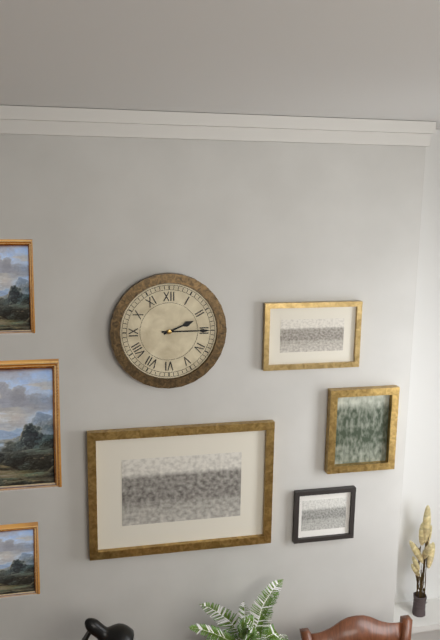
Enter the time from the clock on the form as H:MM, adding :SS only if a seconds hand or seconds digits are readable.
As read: 2:15
